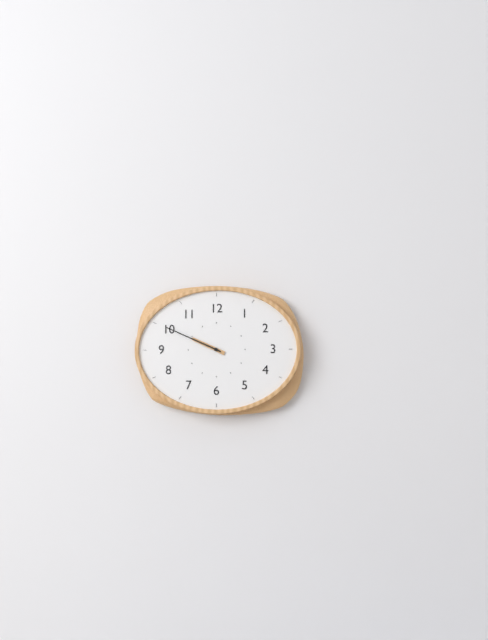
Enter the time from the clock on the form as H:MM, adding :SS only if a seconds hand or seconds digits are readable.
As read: 9:49
